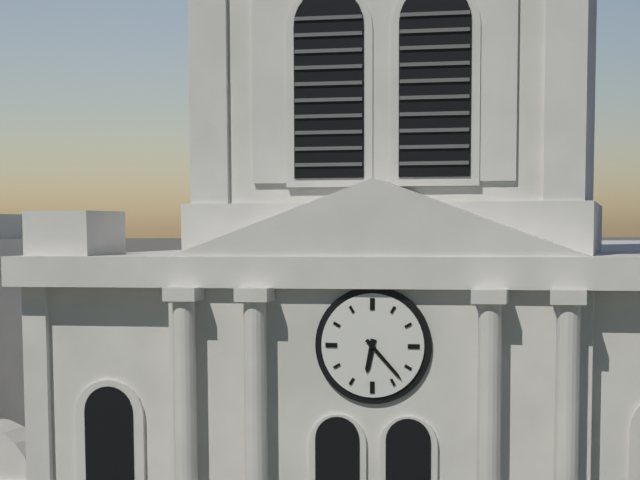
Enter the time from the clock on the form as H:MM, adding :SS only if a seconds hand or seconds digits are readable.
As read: 6:23
